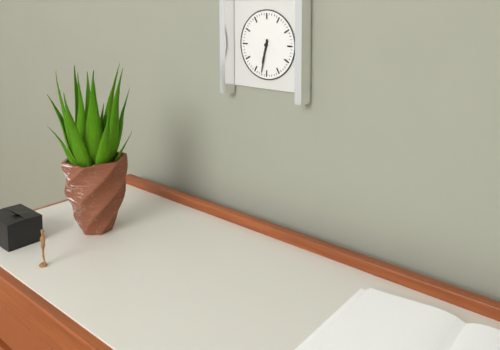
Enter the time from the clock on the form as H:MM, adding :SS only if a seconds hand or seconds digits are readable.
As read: 6:32
